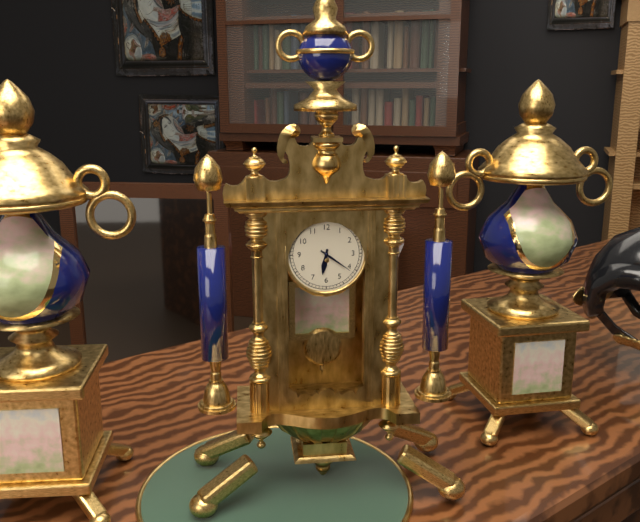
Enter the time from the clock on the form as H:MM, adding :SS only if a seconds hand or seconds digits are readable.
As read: 6:21
